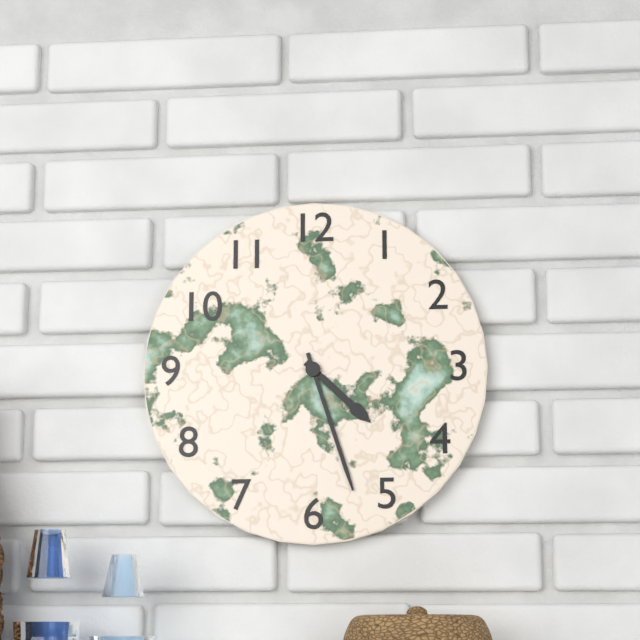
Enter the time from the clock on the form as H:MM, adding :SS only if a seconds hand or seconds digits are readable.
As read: 4:27
